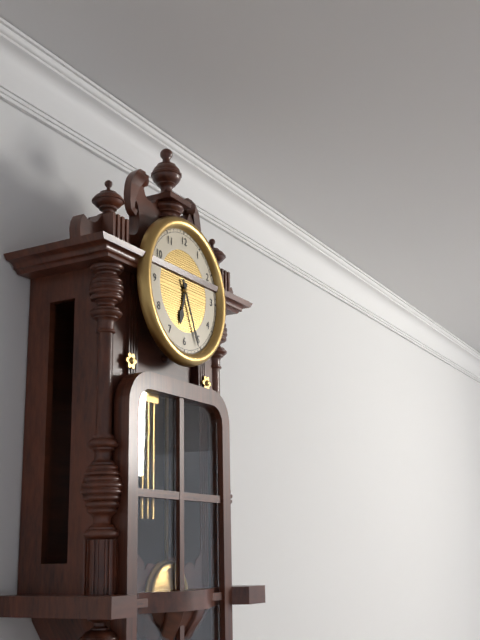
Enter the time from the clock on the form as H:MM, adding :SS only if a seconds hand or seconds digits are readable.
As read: 6:26
